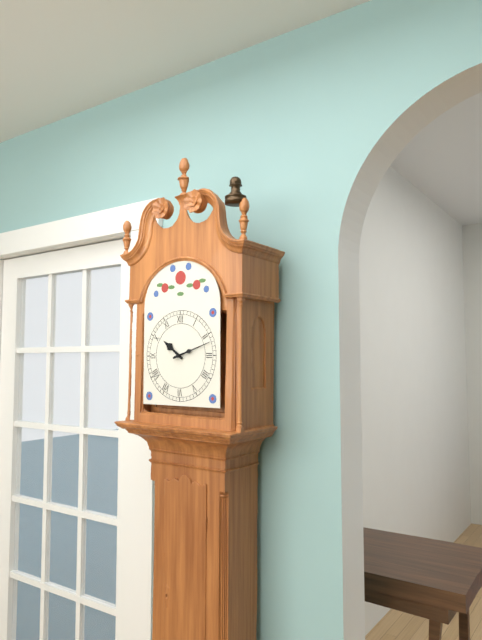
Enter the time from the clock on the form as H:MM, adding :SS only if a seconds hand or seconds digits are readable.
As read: 10:12
